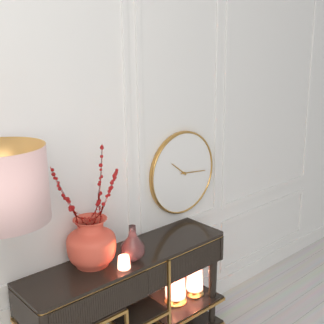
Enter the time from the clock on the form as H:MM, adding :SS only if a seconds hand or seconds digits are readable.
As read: 10:16
